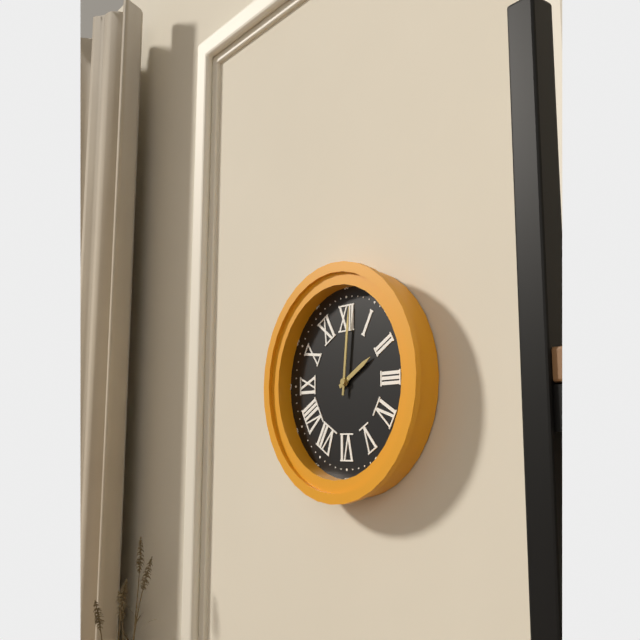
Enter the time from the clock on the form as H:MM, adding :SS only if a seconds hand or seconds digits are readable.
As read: 2:01
